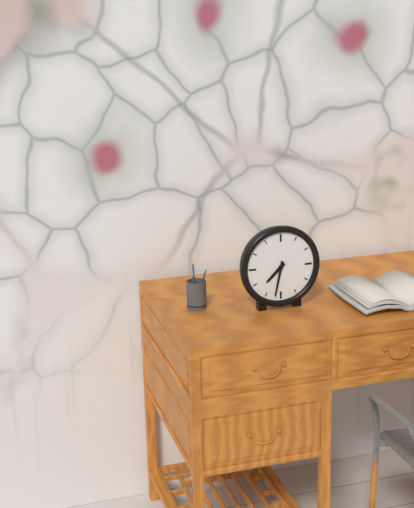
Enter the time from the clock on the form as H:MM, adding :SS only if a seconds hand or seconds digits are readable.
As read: 7:32
